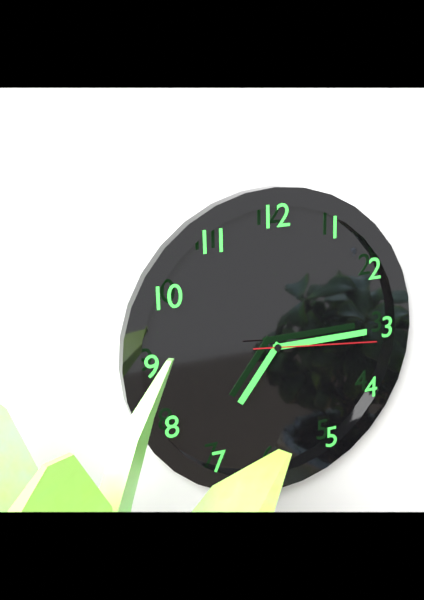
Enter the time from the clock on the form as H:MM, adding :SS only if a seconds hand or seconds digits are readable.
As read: 7:15:16
